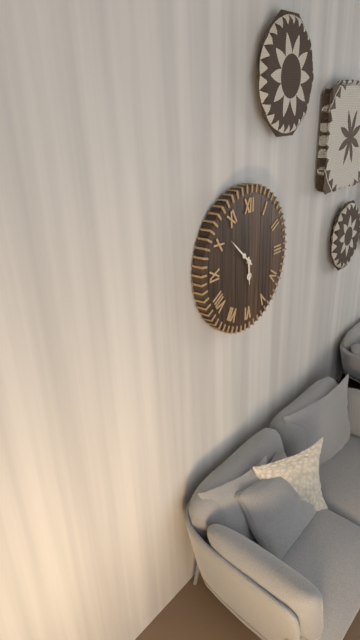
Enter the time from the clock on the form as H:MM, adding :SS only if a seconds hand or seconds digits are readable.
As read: 5:52
